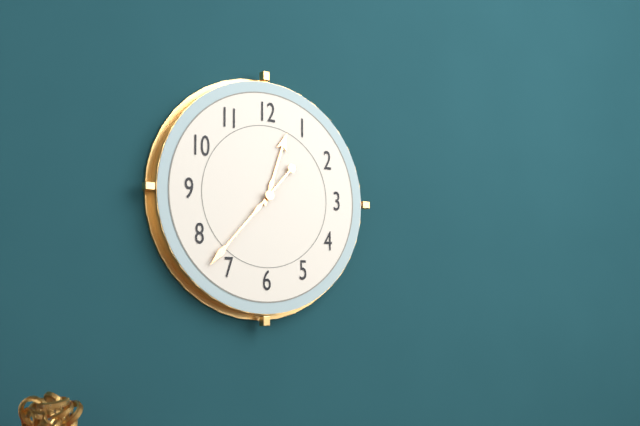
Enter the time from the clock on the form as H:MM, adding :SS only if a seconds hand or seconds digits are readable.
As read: 12:37
